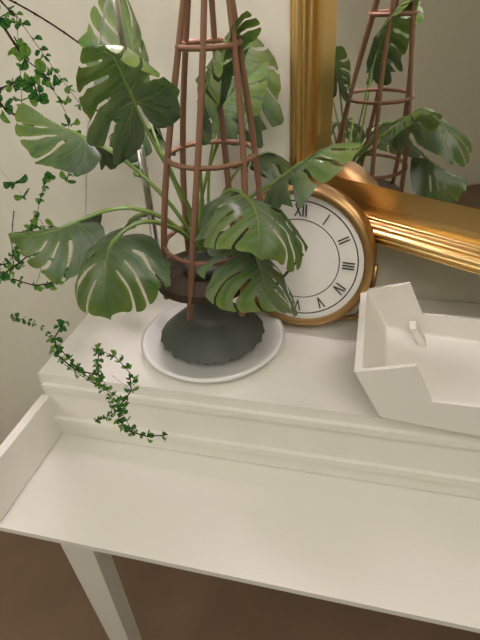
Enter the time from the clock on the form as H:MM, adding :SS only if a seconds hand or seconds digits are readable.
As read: 11:36
